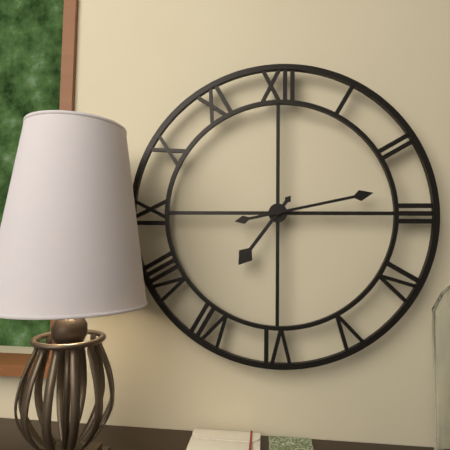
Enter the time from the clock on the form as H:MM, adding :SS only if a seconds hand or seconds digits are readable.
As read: 7:13
